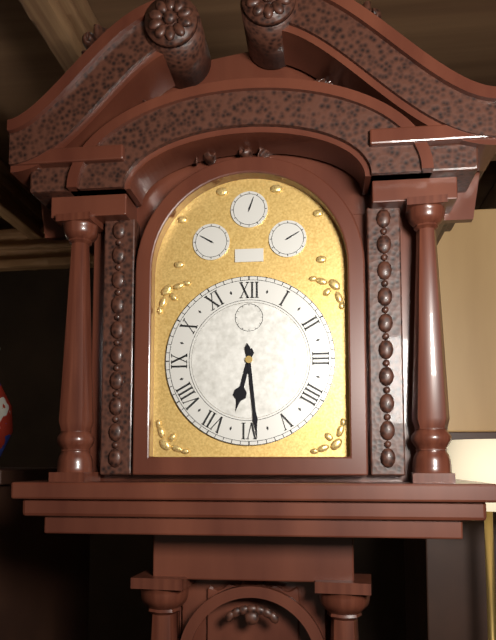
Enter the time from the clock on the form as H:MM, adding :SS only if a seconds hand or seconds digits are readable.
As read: 6:29
